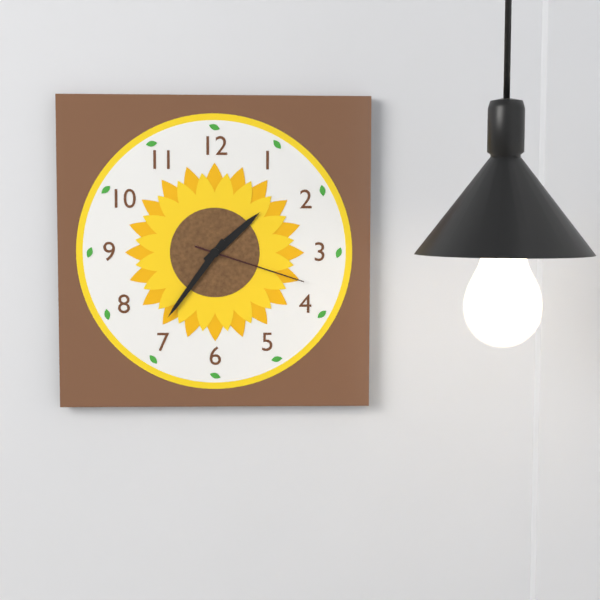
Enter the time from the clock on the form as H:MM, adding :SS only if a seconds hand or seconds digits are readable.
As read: 1:36:18
